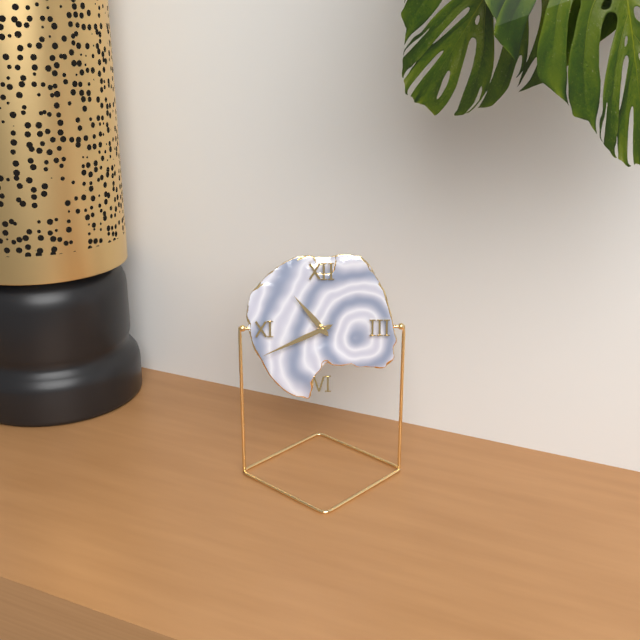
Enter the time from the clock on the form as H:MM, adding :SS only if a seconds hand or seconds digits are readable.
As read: 10:41
